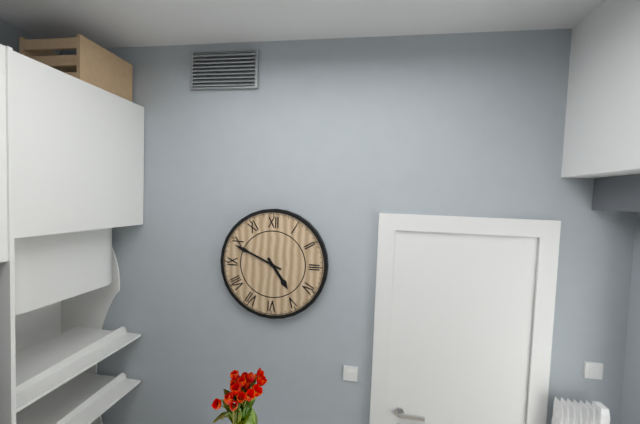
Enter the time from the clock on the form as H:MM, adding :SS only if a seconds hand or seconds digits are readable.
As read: 4:49
